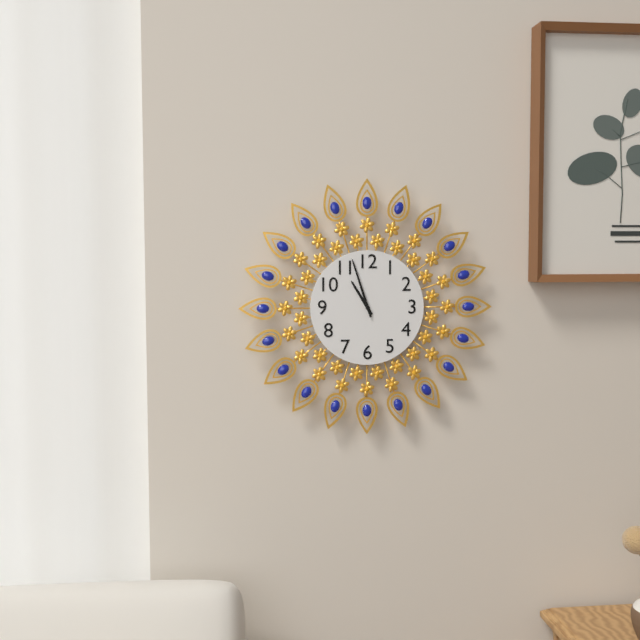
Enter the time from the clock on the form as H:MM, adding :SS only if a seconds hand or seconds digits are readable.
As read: 10:57
